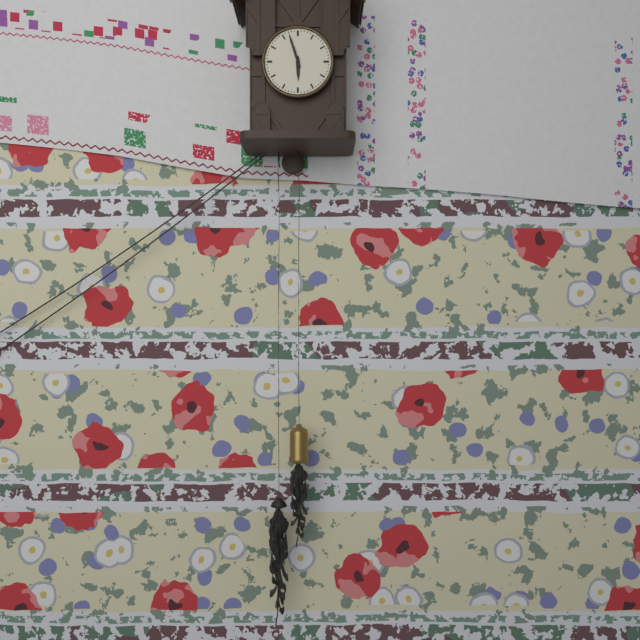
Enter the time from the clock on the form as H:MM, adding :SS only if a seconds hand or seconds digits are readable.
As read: 5:57
